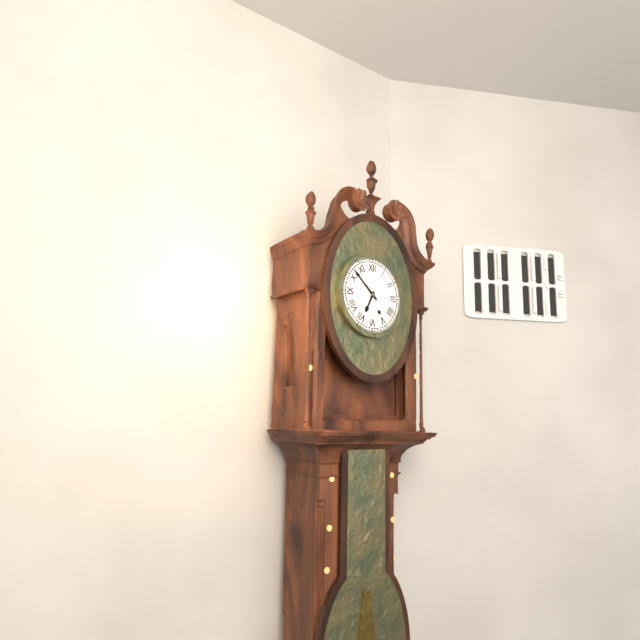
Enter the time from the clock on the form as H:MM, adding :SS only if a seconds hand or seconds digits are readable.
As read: 6:52
